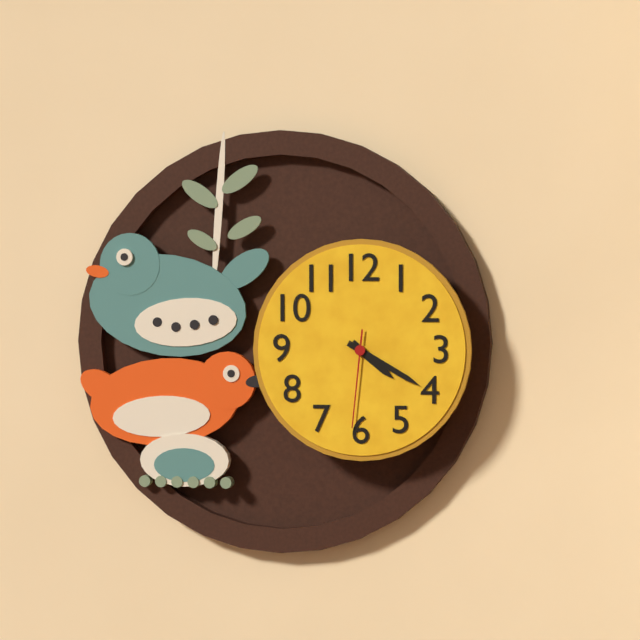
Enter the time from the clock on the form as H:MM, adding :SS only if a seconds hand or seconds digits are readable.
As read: 4:20:31
